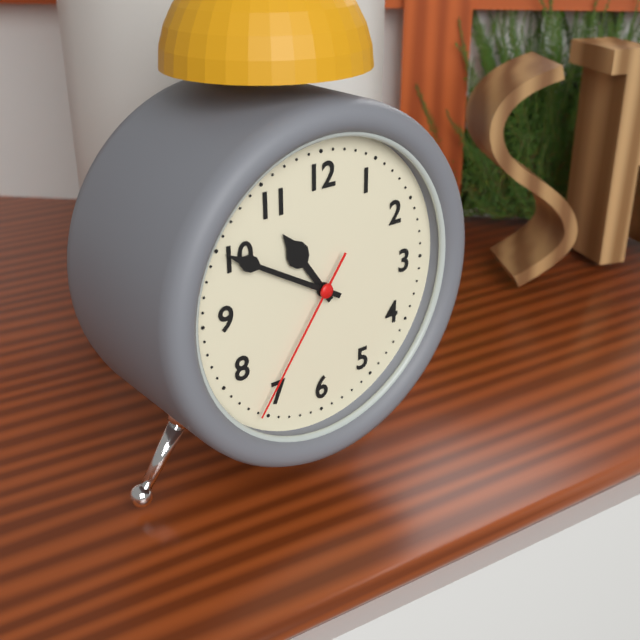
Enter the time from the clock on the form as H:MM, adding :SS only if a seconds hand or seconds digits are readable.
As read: 10:50:36
